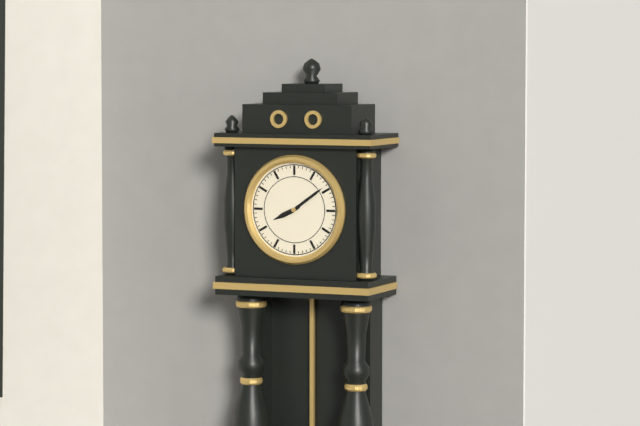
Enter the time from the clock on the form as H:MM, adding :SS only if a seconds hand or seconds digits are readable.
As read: 8:09
